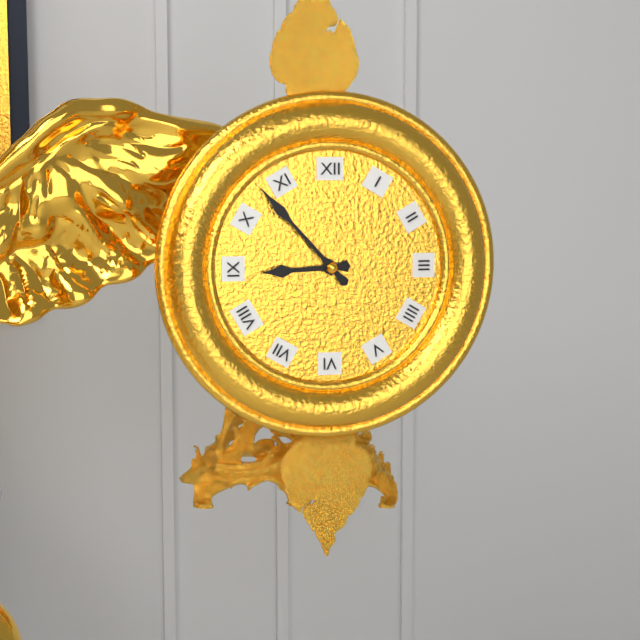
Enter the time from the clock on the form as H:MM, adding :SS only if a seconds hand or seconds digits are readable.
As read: 8:53
